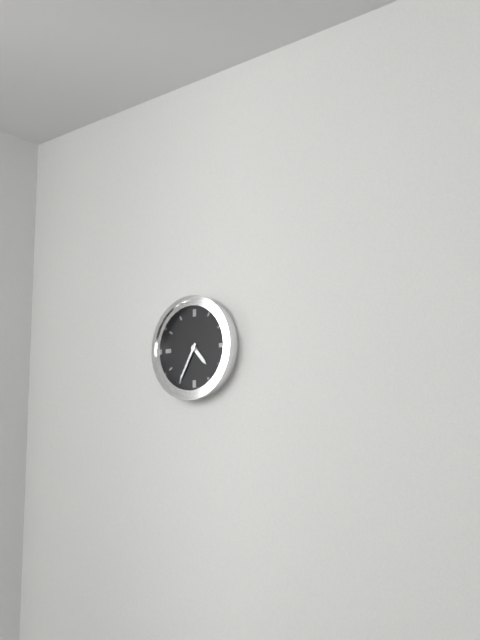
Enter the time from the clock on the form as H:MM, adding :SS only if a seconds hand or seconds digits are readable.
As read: 4:35
